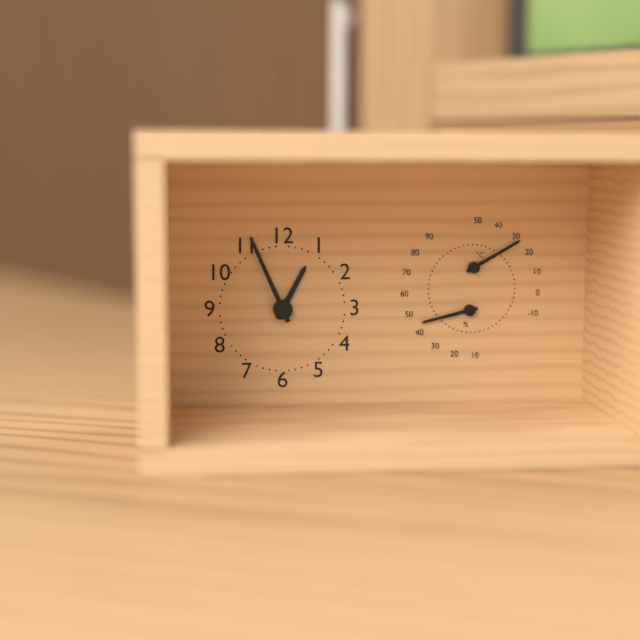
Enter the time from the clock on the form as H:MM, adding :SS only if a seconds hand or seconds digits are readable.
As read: 12:56
